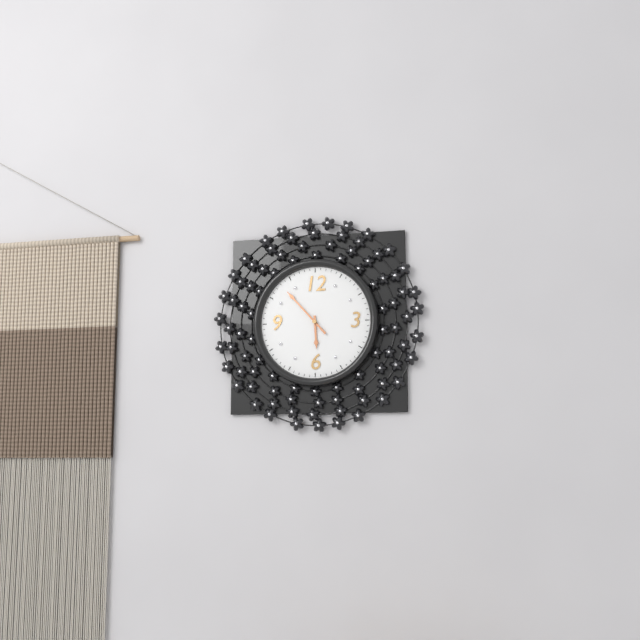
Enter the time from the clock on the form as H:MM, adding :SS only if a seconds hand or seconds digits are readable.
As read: 5:53
